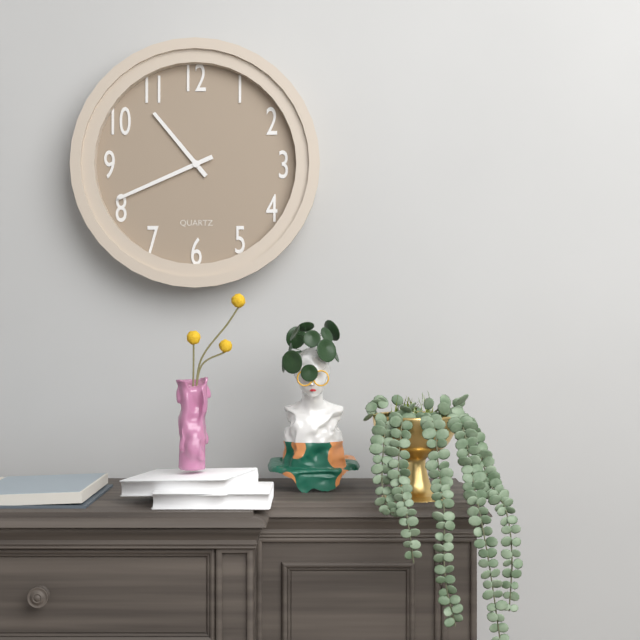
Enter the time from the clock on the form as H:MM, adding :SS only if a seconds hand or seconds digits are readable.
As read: 10:41
